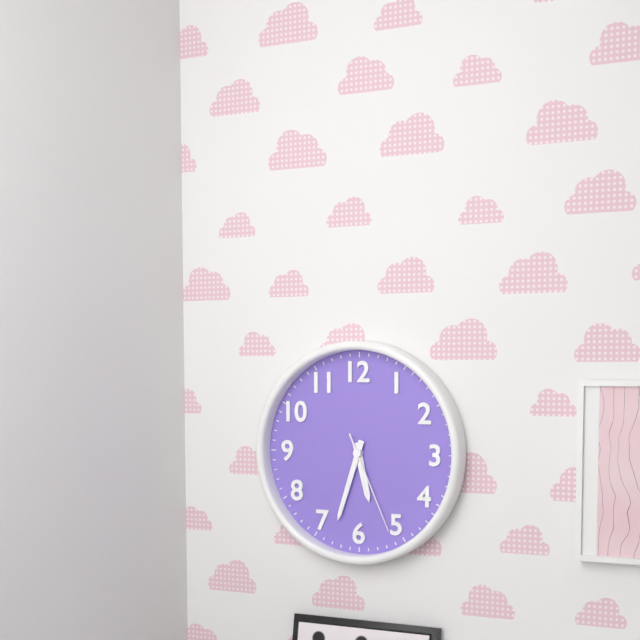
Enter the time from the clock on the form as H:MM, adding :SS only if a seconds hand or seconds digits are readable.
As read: 5:33:26
